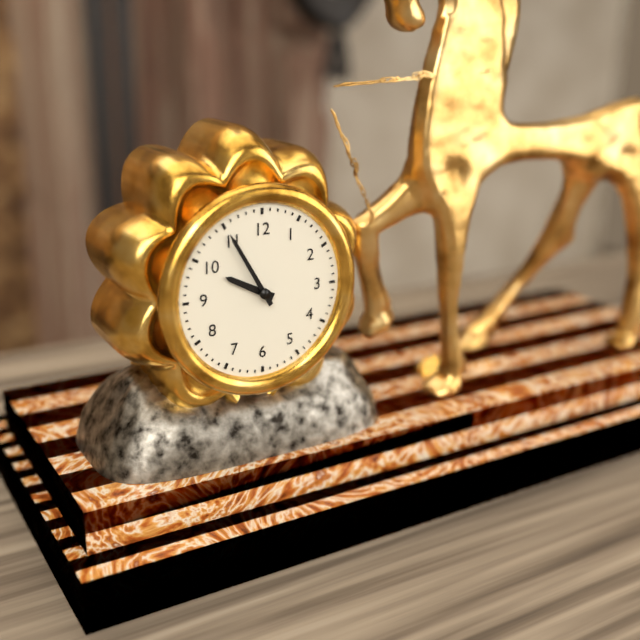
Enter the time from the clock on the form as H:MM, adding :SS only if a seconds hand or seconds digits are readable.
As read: 9:55
